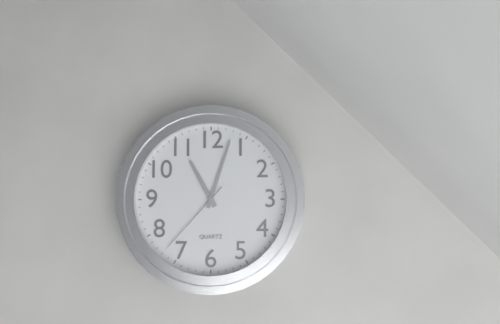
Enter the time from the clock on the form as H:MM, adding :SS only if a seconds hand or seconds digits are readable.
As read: 11:03:37
